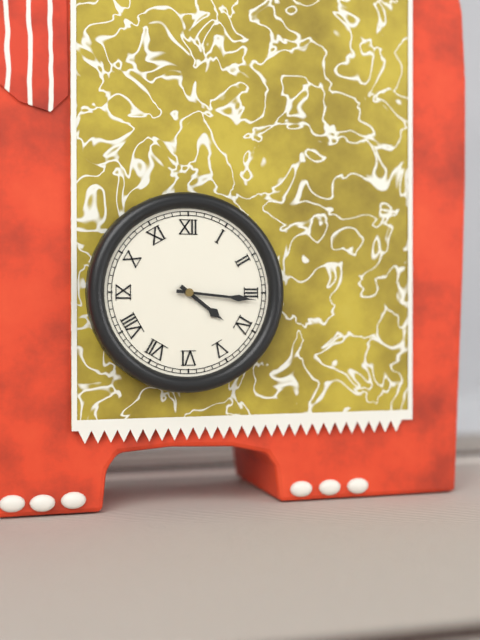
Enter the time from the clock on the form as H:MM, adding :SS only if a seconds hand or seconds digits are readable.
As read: 4:16
